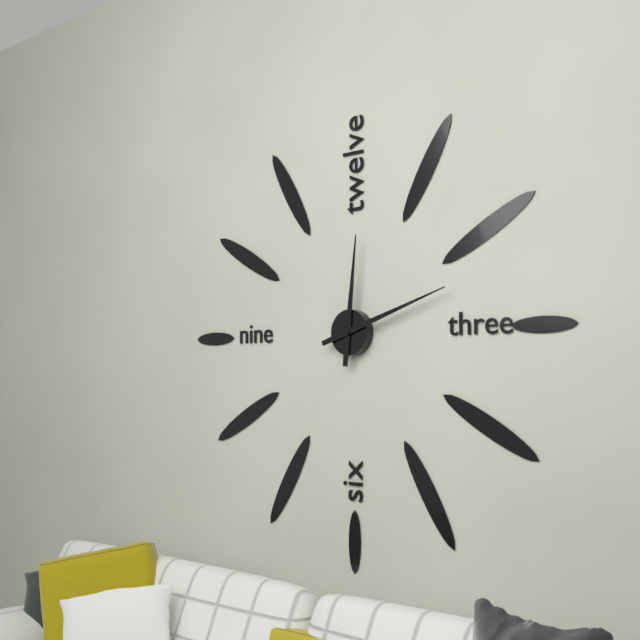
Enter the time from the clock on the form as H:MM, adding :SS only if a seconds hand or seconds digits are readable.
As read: 12:12
